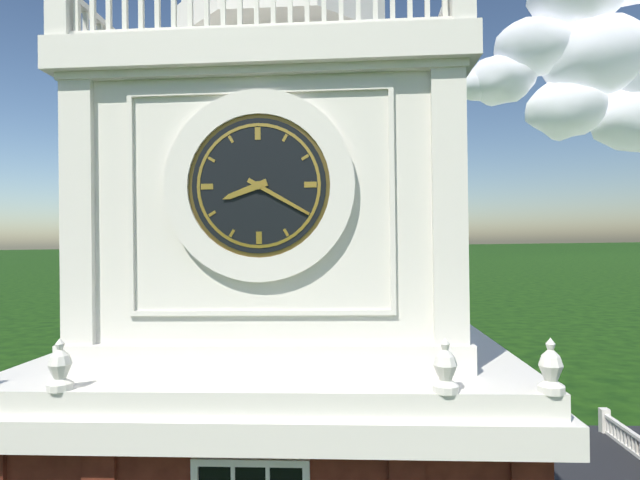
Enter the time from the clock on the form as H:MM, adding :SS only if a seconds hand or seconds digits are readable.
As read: 8:20
